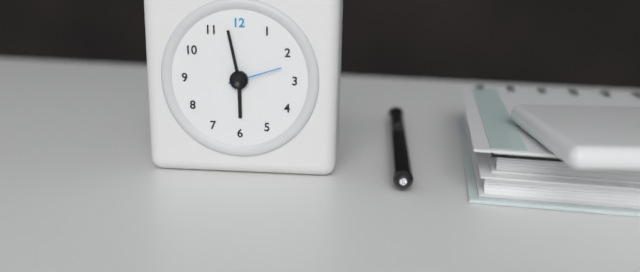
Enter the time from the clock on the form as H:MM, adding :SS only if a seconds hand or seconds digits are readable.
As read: 5:58:12
